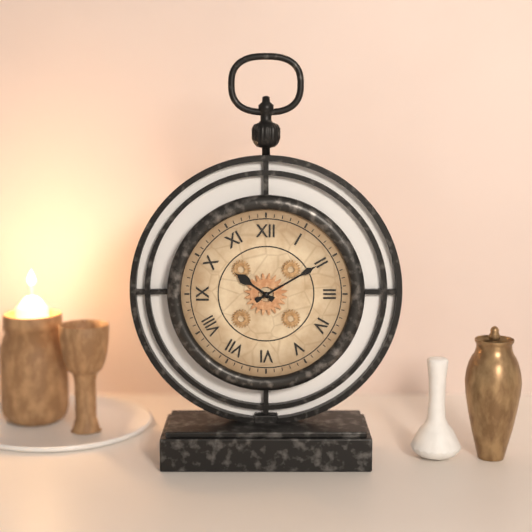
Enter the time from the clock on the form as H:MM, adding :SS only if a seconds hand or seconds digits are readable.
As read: 10:10
